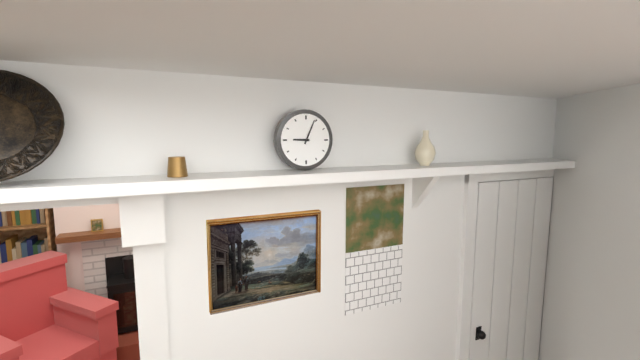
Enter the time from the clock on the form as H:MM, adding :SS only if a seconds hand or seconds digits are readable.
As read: 9:04
